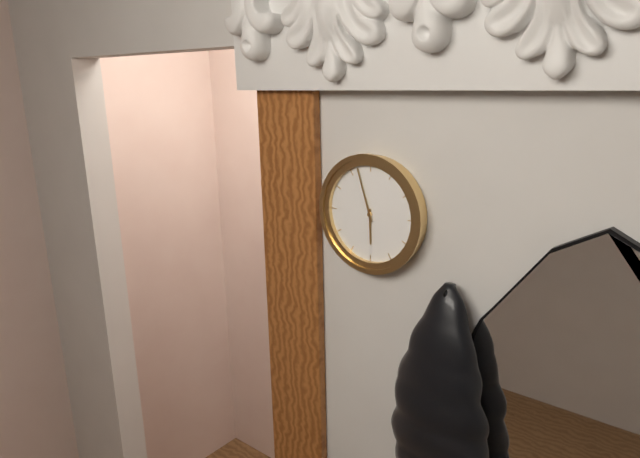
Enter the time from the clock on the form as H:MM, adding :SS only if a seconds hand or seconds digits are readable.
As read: 5:57
